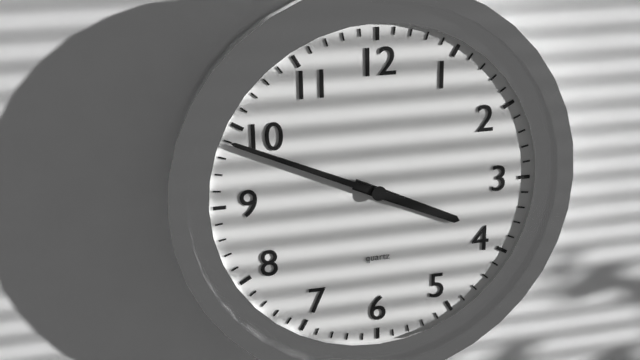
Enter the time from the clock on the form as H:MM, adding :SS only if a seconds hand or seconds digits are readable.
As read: 3:49
